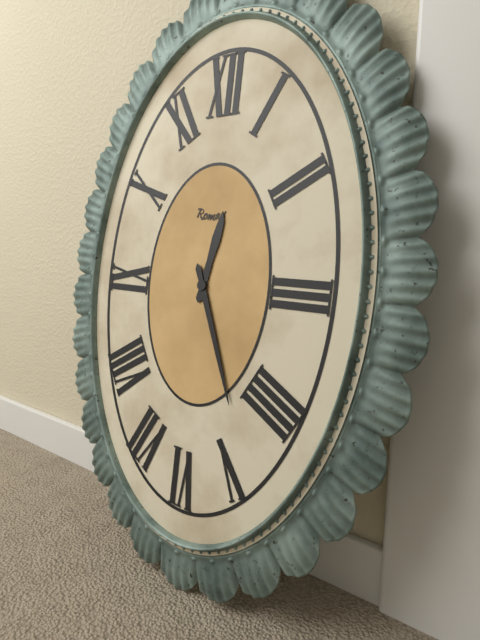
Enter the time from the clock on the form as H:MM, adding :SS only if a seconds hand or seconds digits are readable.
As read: 12:26
